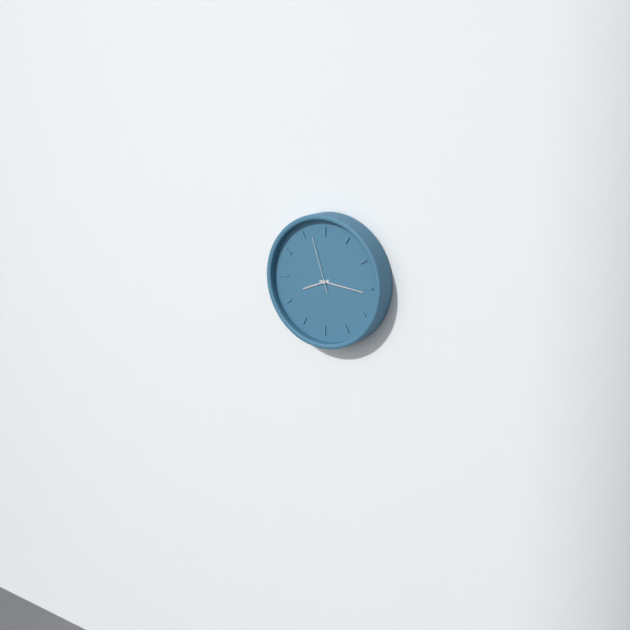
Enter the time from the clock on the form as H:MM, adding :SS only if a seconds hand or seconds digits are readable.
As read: 8:16:57
